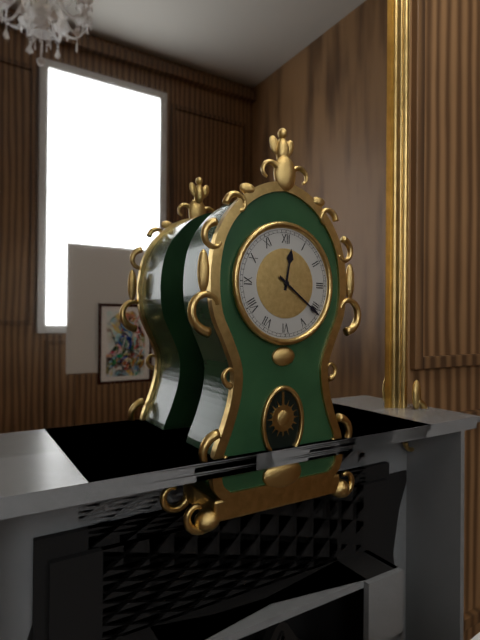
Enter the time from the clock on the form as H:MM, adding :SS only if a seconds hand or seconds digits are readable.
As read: 12:21
